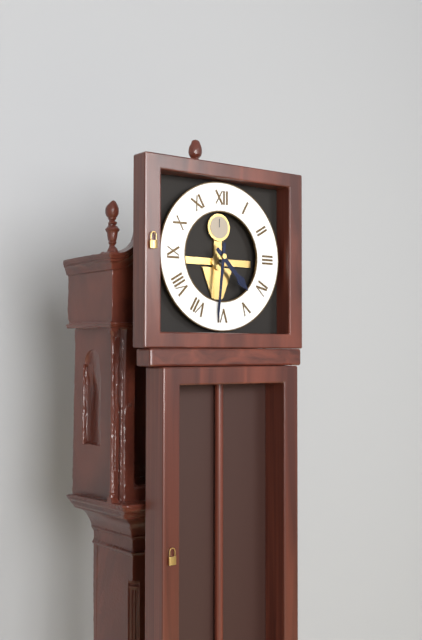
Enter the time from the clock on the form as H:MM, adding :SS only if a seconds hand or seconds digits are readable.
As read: 4:31
